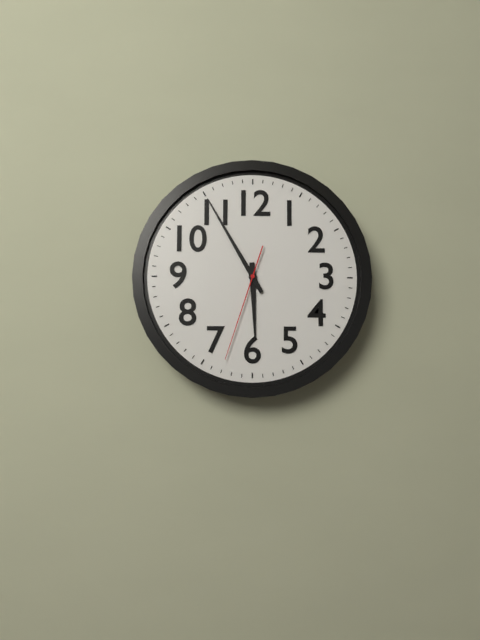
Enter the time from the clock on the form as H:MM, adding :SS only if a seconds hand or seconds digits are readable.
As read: 5:55:33
